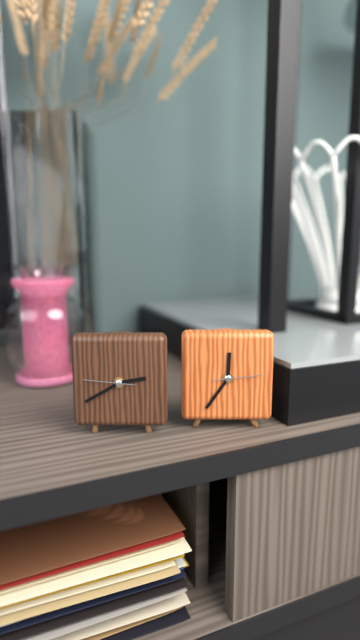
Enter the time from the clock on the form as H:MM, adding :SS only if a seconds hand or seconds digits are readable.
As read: 2:40
